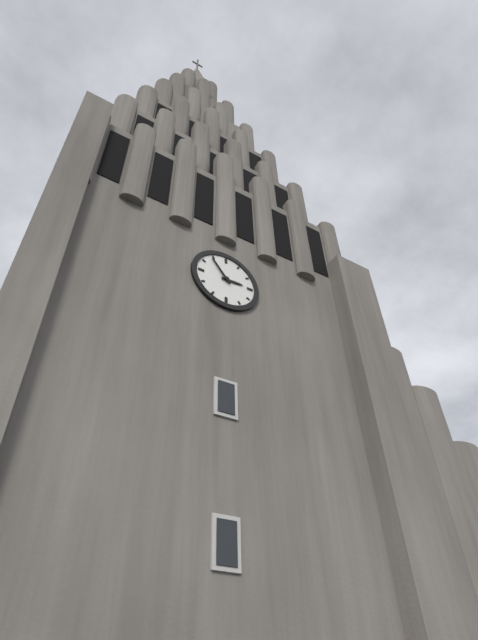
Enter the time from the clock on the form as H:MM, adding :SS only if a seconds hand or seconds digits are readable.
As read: 2:54
